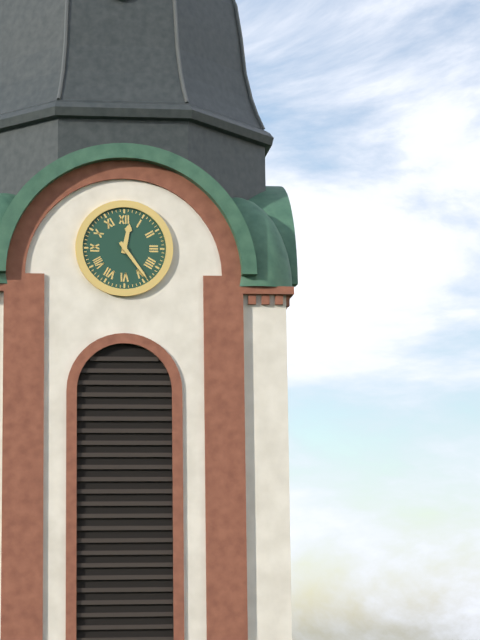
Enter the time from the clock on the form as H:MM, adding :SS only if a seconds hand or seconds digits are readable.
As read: 12:24
